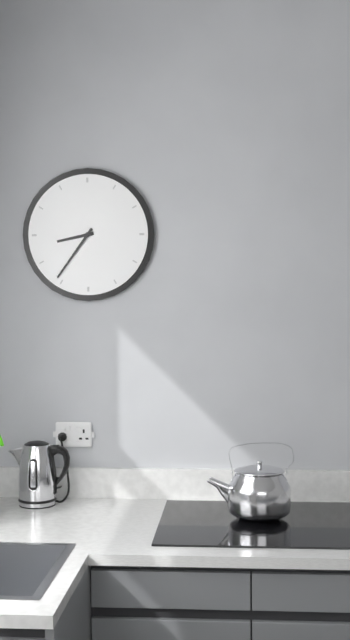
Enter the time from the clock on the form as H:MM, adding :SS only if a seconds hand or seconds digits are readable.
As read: 8:36
